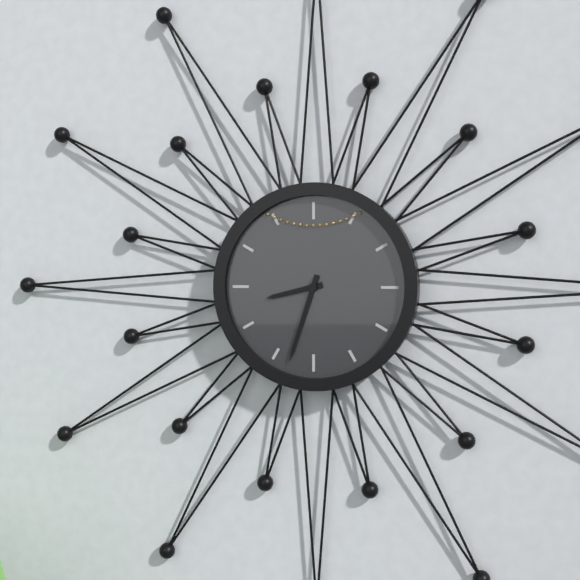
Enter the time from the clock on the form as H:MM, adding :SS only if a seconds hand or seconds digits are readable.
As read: 8:33
